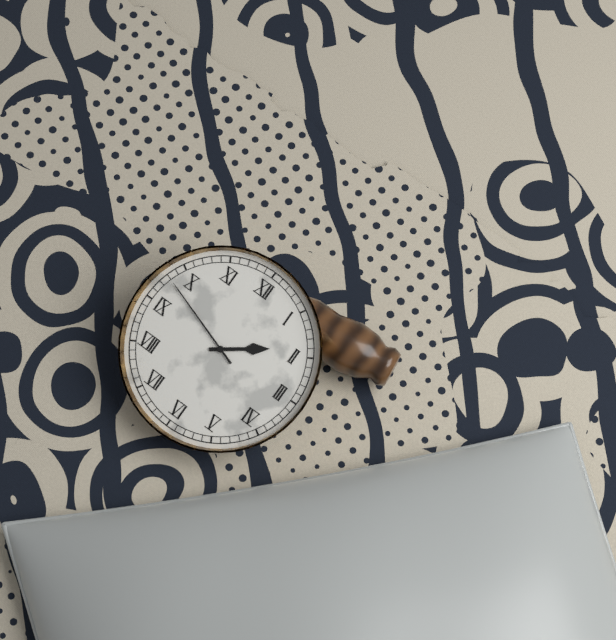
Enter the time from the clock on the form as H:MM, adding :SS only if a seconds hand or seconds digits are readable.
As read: 1:48
